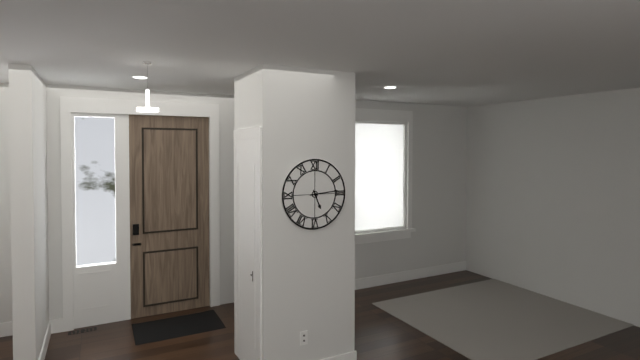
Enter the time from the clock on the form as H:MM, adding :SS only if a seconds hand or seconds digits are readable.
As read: 5:14
